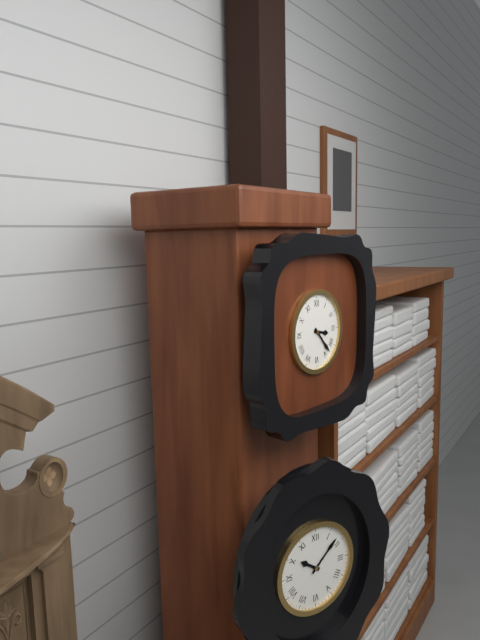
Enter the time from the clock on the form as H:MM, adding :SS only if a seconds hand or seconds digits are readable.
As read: 3:23
